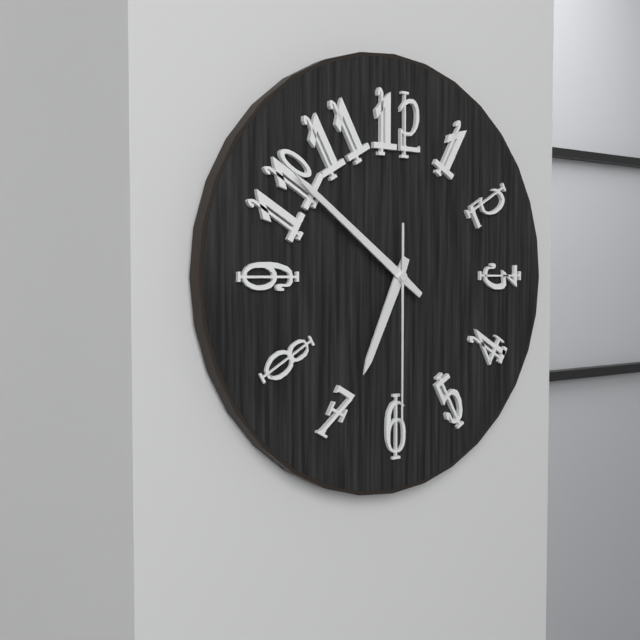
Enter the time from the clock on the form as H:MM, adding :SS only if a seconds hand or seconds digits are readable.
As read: 6:51:30
